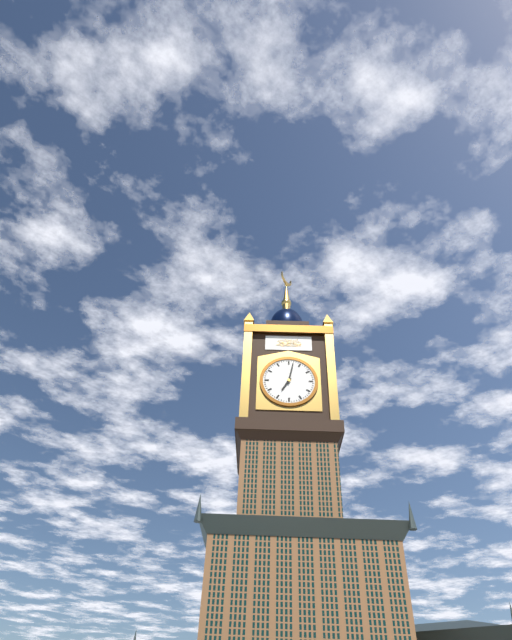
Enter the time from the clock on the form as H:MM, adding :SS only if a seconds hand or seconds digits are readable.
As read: 7:02
